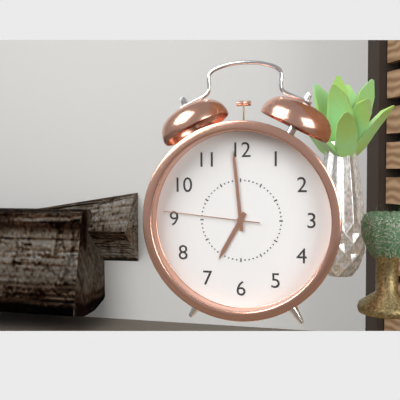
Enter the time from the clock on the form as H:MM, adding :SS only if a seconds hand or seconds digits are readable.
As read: 6:59:46
